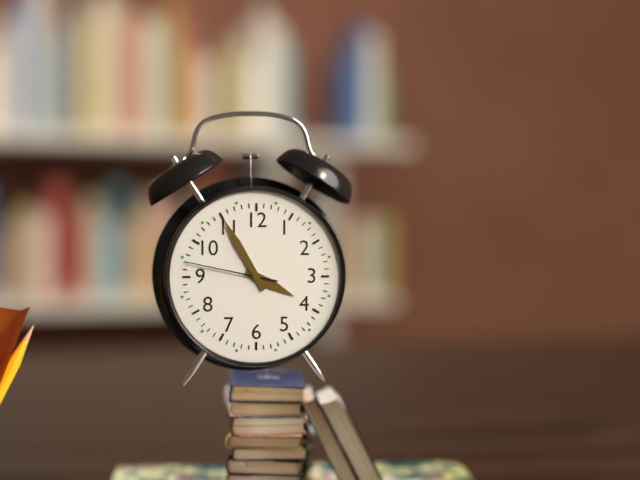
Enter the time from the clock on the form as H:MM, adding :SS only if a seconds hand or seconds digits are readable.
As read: 3:55:47
